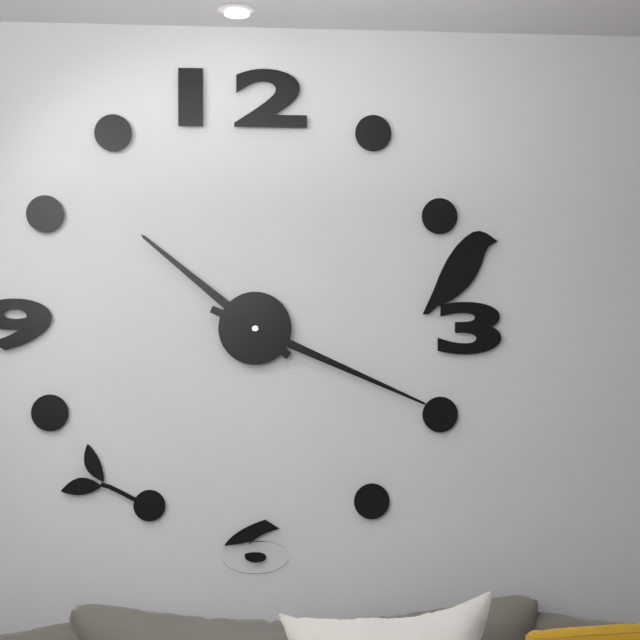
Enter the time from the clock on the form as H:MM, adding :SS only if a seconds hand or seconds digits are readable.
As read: 10:19
